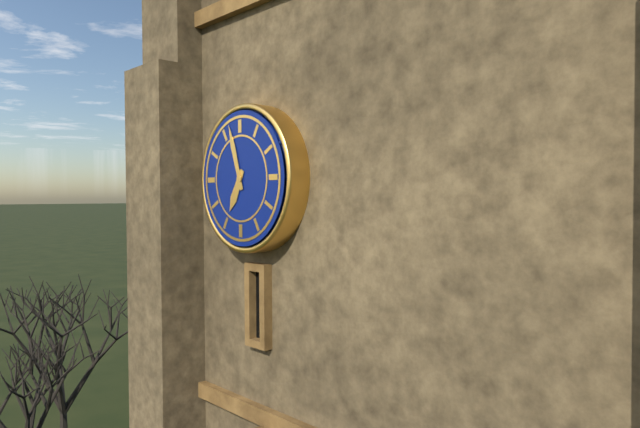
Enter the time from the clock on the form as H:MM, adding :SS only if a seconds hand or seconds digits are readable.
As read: 6:57
